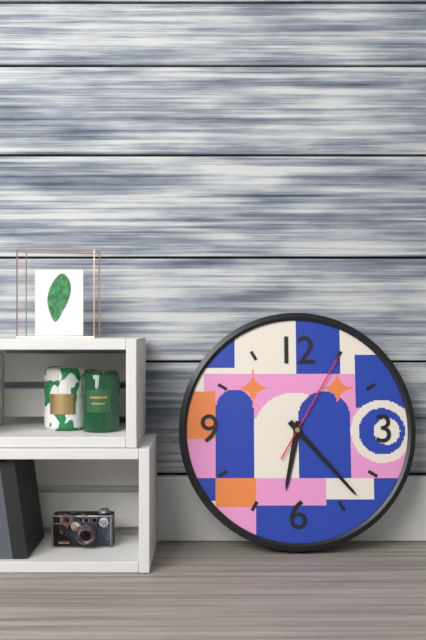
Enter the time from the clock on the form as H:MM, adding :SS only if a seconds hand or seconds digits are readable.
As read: 6:23:05
